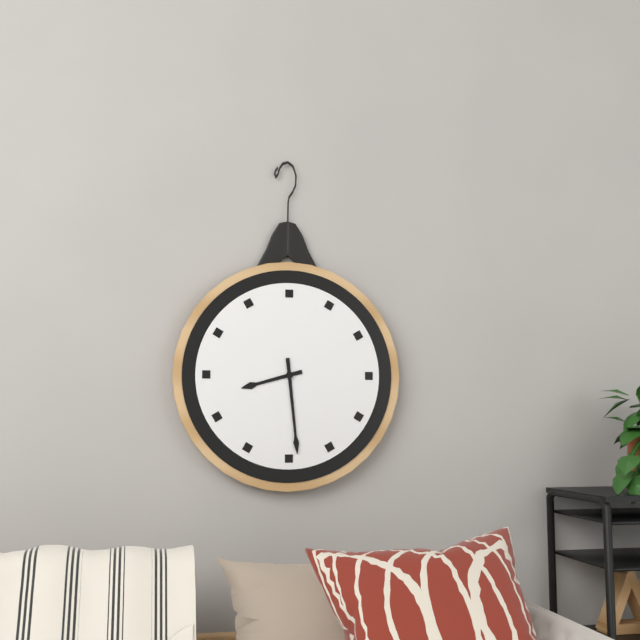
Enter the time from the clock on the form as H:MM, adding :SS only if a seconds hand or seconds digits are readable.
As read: 8:29
